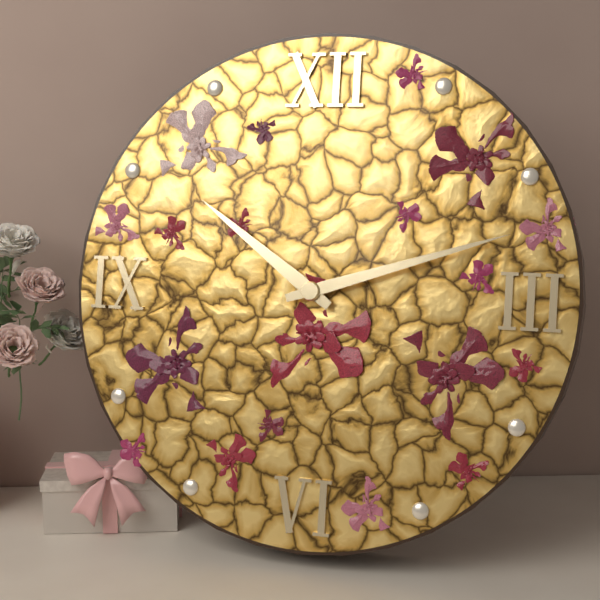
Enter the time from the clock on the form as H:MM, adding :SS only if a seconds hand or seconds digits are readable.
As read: 10:12
